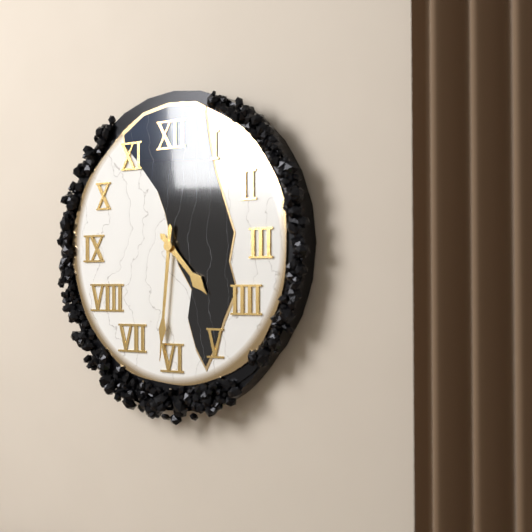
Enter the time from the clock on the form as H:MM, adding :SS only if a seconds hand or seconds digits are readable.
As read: 4:31
